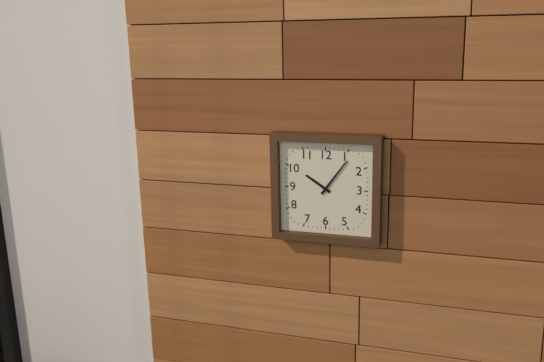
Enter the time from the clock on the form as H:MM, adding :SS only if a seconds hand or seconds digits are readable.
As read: 10:06
